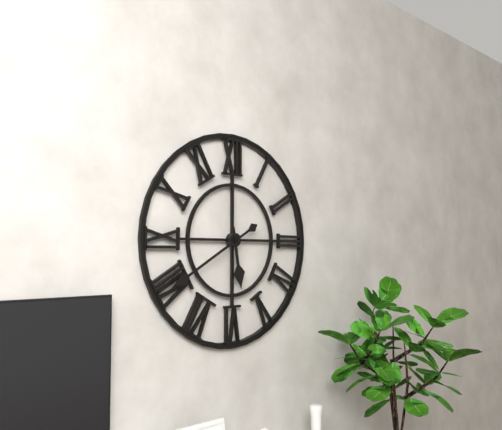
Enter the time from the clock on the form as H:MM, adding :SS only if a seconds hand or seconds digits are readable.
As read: 5:40
